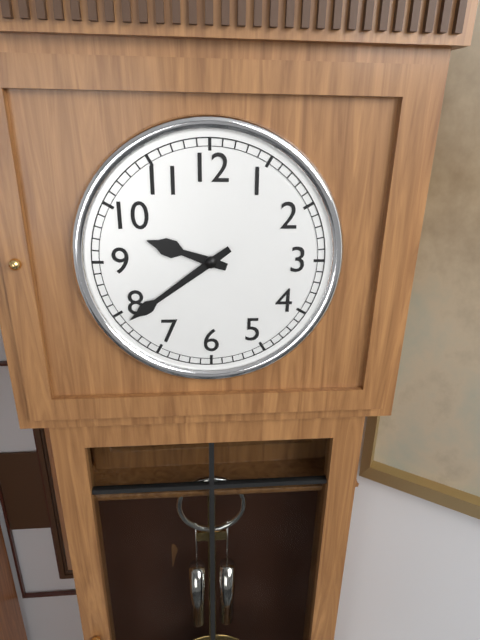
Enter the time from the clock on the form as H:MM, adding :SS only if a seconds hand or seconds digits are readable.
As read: 9:39
